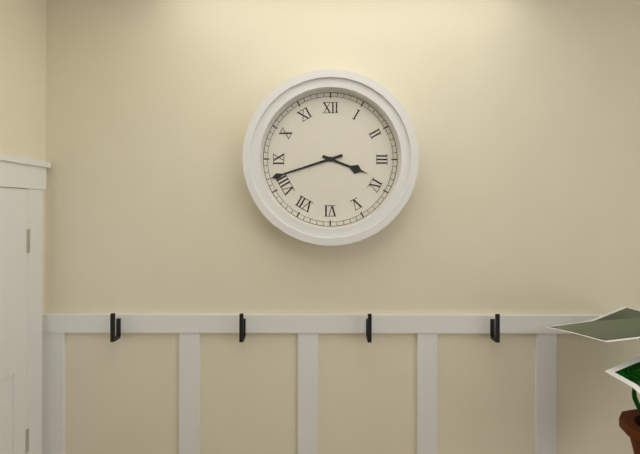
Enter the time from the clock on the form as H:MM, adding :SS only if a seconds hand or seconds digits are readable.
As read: 3:42
